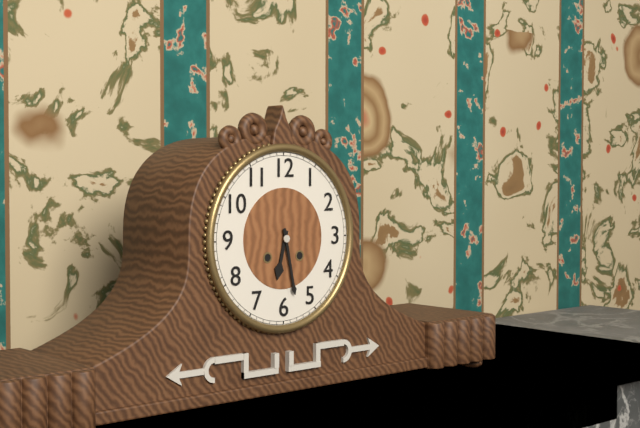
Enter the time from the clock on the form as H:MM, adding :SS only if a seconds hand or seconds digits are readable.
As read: 6:28
